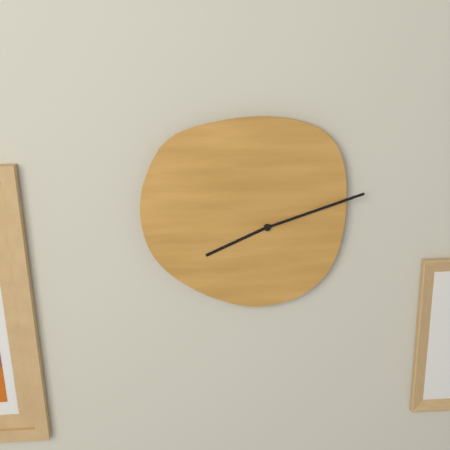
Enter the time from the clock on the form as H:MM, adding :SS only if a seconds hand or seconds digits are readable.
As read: 8:12
